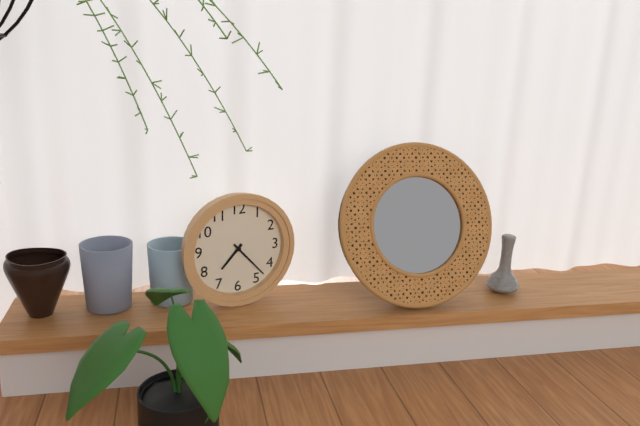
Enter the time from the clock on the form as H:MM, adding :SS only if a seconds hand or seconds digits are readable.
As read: 7:23
